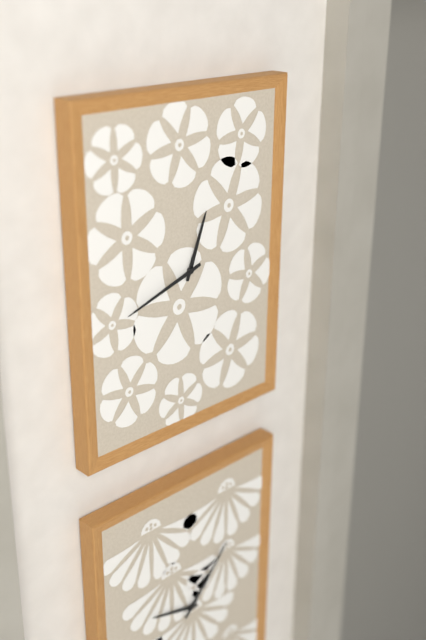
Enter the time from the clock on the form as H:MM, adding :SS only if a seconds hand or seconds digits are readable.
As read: 12:42
